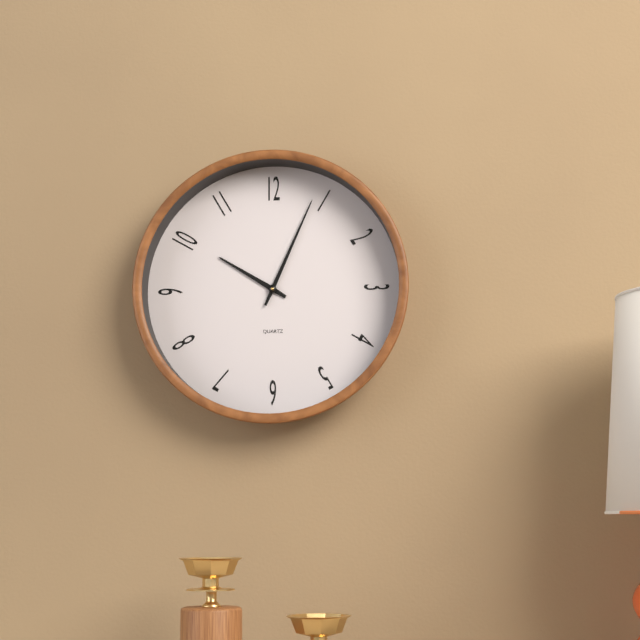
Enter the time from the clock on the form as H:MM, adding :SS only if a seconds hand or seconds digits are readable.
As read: 10:04
